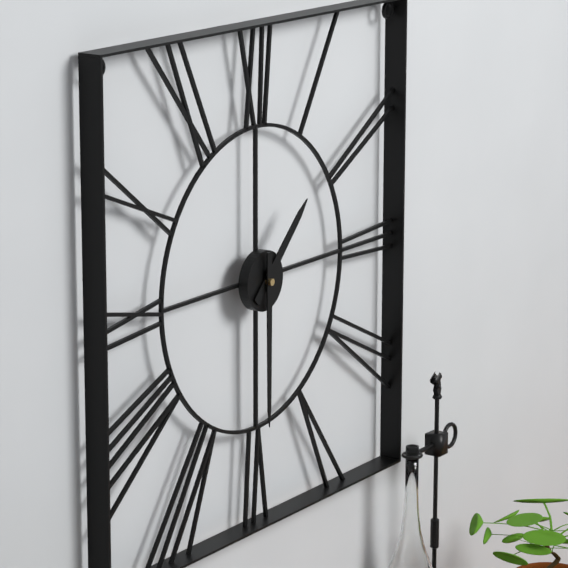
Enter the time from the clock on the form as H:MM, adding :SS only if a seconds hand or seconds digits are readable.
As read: 1:30
